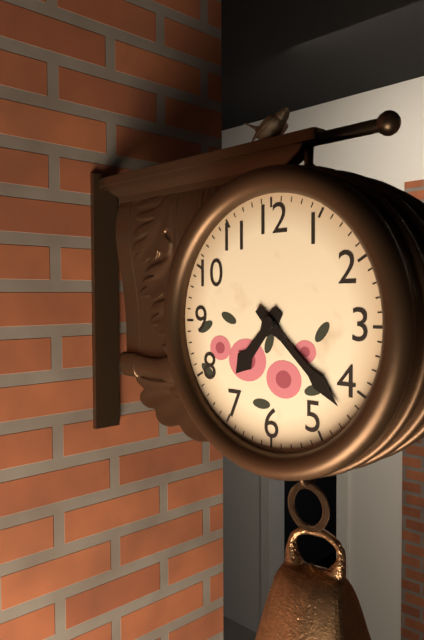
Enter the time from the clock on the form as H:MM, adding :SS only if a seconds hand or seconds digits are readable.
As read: 7:22
